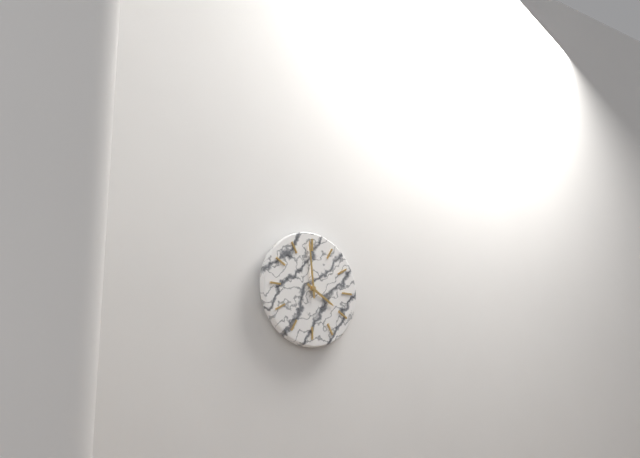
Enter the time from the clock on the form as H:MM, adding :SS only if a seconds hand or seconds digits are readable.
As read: 3:59
